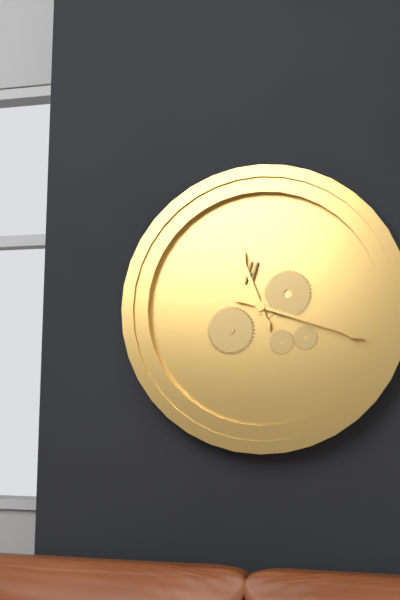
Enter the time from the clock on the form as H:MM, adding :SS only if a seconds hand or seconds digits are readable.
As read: 11:18
